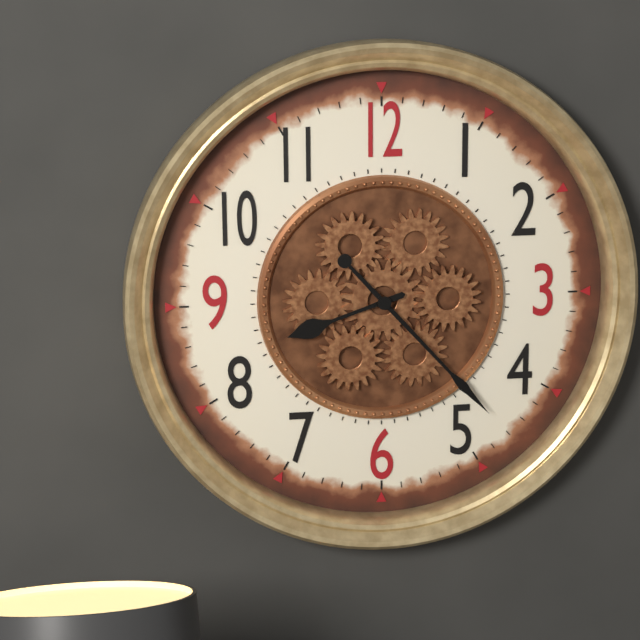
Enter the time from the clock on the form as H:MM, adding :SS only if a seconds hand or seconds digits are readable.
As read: 8:23
